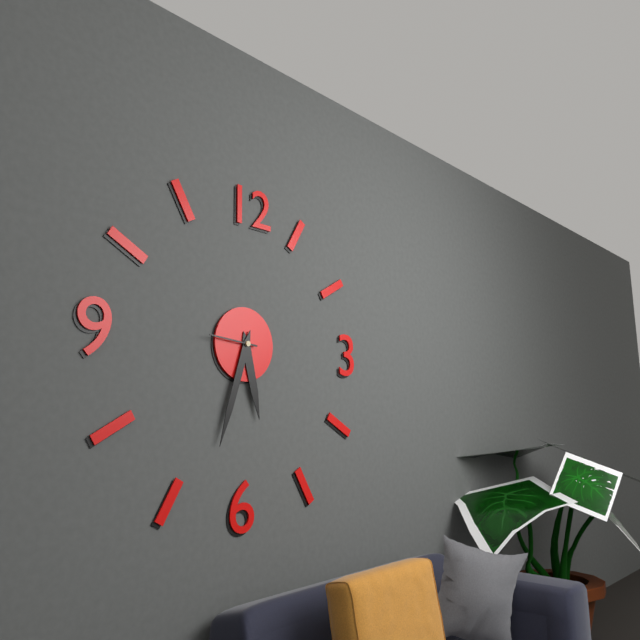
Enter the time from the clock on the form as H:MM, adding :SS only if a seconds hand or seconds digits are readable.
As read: 5:33
